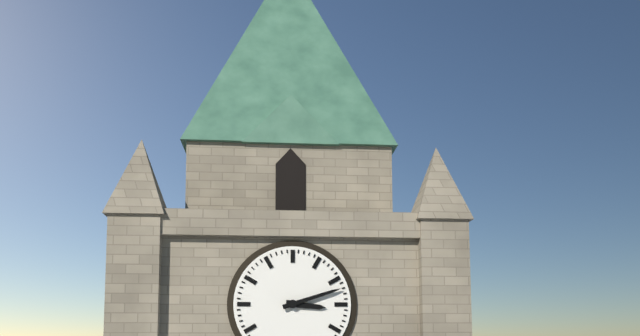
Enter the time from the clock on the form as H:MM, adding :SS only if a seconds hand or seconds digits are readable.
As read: 3:12
